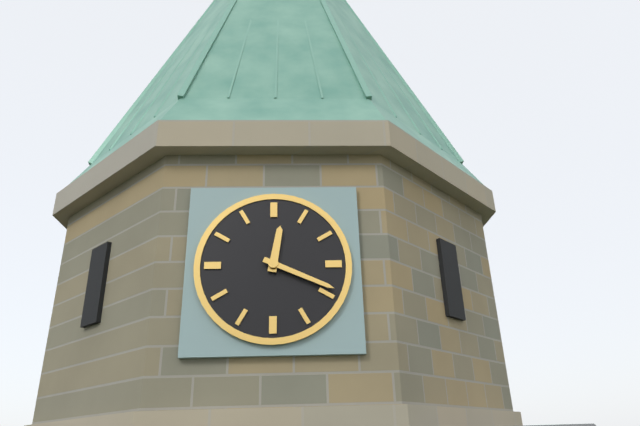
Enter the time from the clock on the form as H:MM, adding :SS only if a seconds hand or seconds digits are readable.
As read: 12:19
